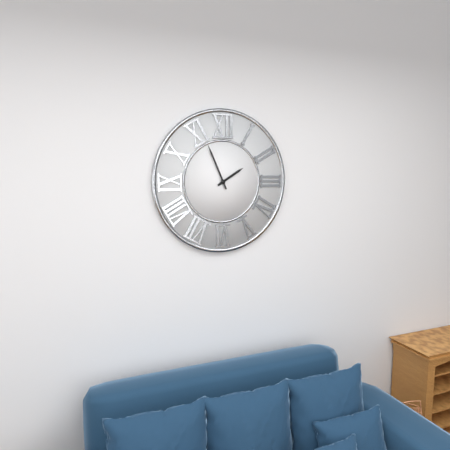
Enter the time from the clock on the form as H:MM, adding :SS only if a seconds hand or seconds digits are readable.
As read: 1:56
